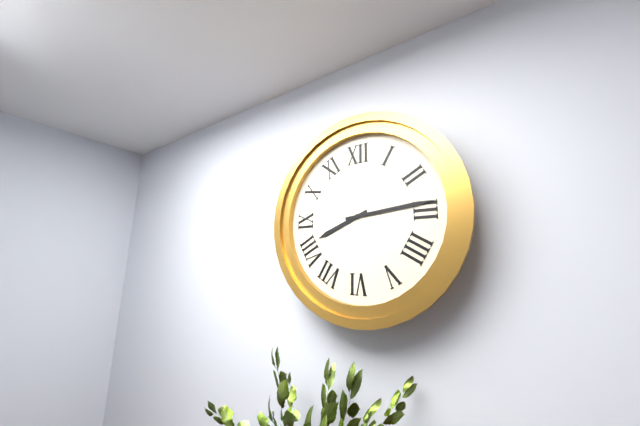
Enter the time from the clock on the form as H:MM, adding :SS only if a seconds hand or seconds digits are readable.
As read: 8:14
